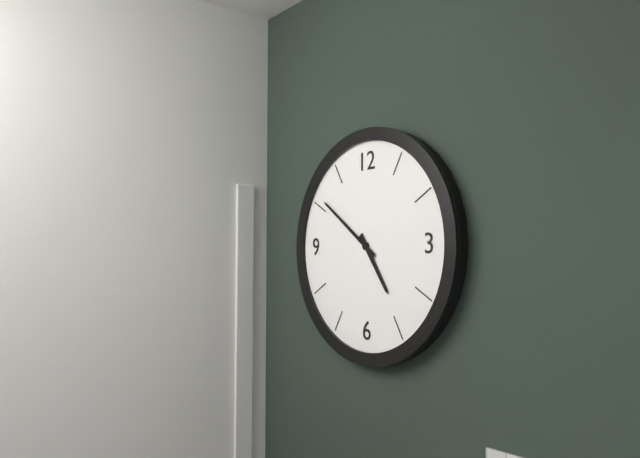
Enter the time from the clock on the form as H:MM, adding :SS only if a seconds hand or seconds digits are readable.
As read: 4:51
